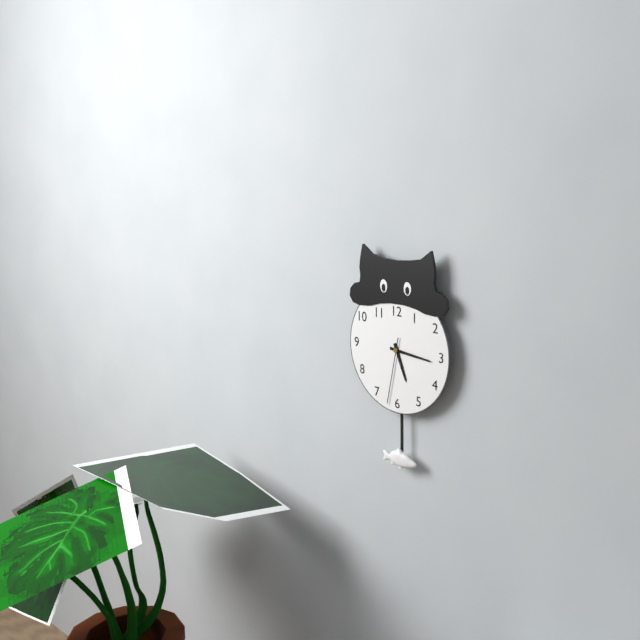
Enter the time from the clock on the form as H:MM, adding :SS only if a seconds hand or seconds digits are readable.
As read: 5:16:32
